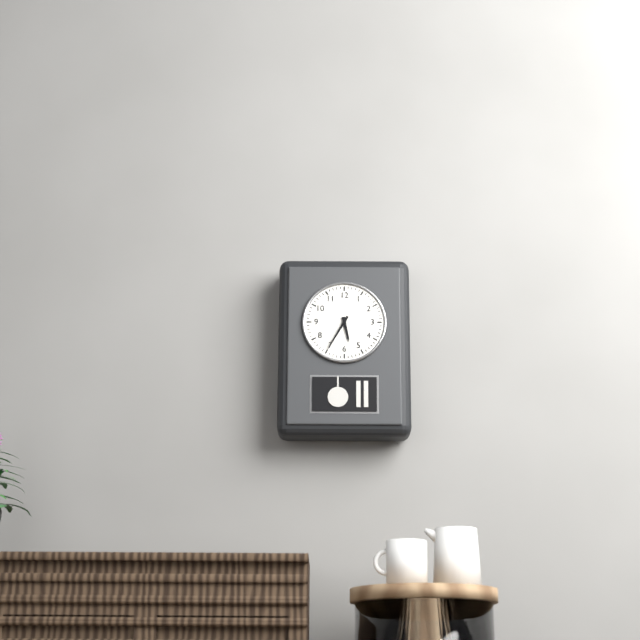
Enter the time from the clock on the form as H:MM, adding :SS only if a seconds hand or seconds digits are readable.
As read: 5:35
